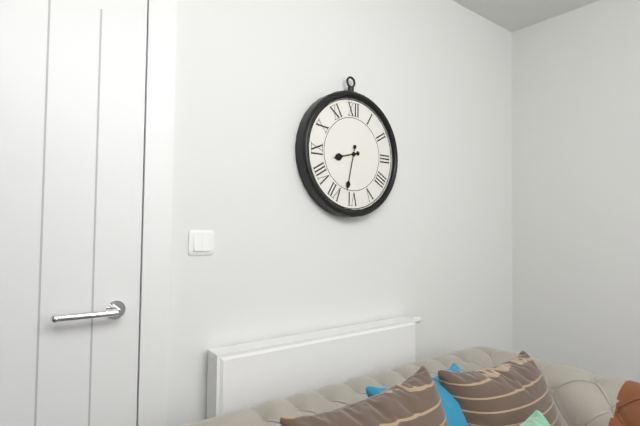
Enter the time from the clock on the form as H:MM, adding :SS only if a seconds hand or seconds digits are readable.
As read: 8:32
